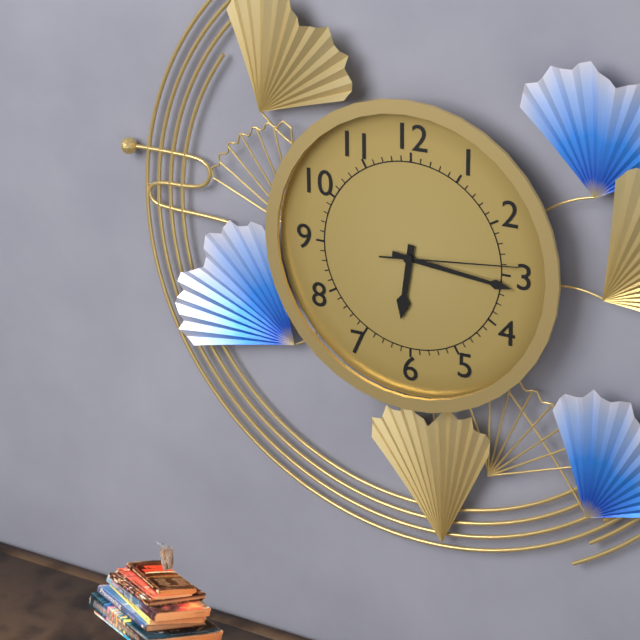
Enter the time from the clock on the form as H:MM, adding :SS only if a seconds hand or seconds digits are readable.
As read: 6:16:14
